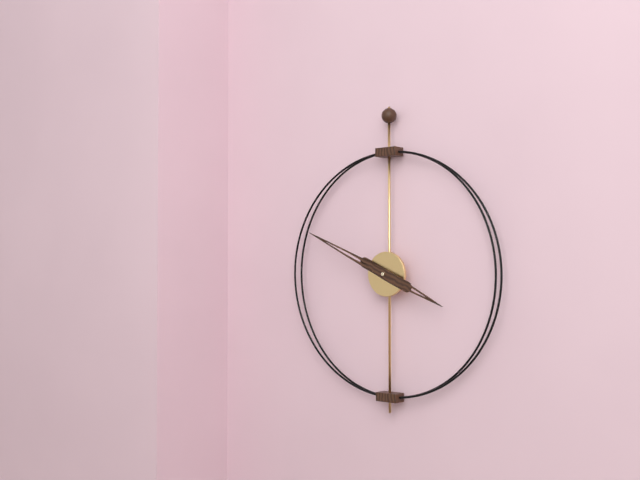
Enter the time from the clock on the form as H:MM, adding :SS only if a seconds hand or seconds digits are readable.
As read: 3:49
